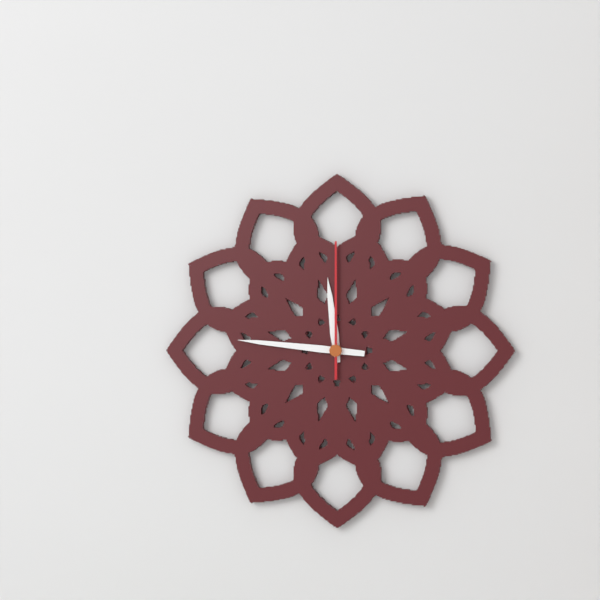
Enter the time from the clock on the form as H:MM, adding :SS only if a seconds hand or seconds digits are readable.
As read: 11:46:00
